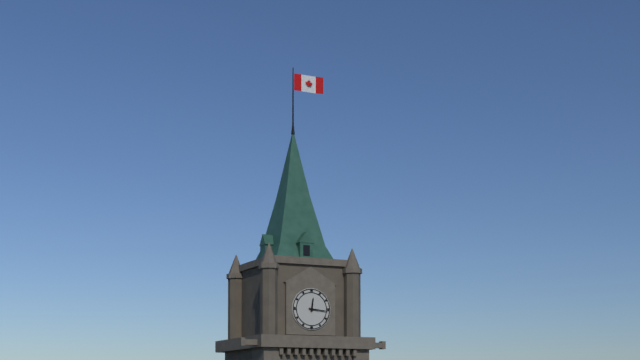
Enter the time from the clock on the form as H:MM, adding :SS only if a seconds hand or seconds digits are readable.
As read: 12:16
